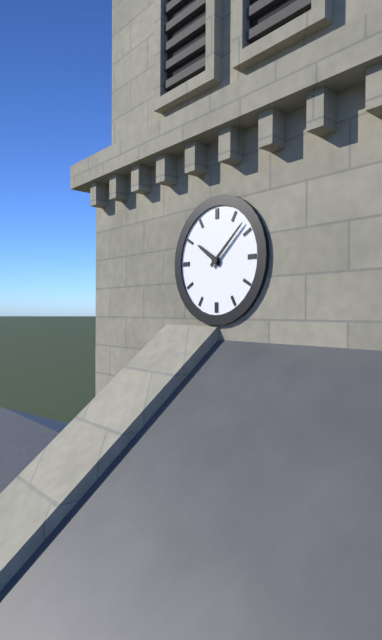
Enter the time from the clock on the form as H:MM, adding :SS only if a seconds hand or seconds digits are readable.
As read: 10:08
